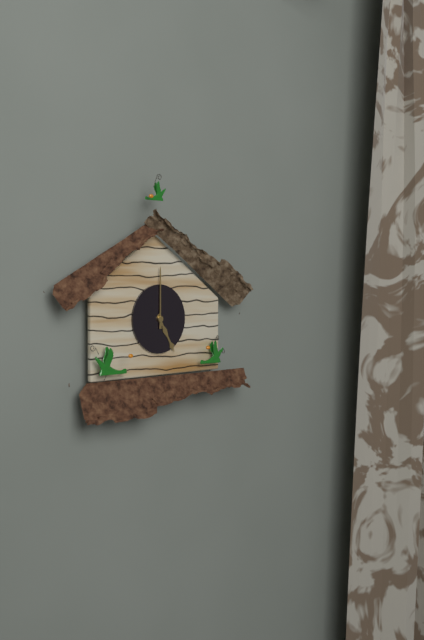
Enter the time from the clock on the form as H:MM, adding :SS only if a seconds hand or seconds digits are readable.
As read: 5:00
